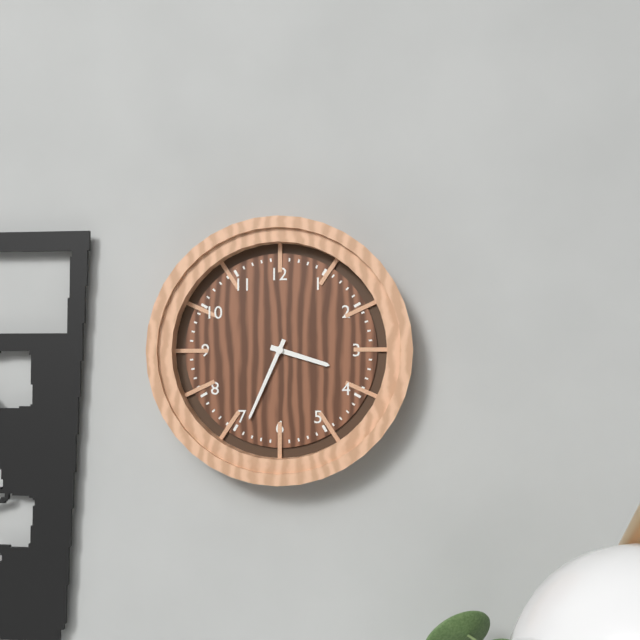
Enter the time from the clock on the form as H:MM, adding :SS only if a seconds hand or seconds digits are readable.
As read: 3:34
